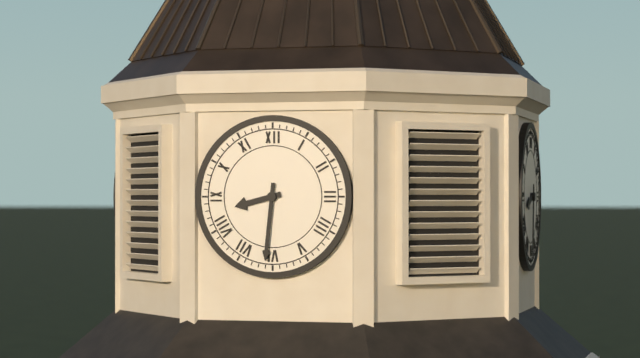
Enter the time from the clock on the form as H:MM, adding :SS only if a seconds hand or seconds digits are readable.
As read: 8:31
